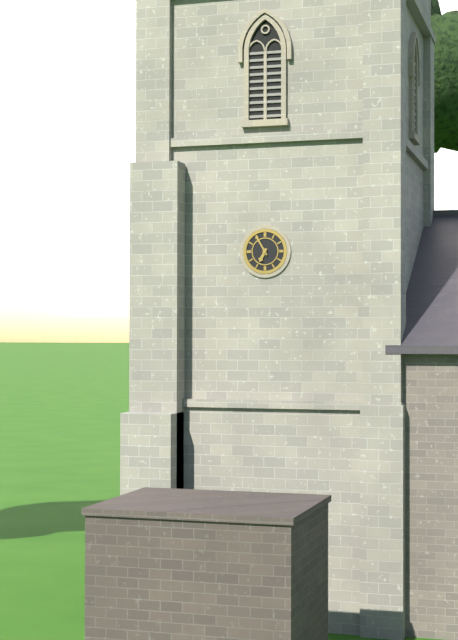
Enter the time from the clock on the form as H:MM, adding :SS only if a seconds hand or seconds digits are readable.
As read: 6:55
